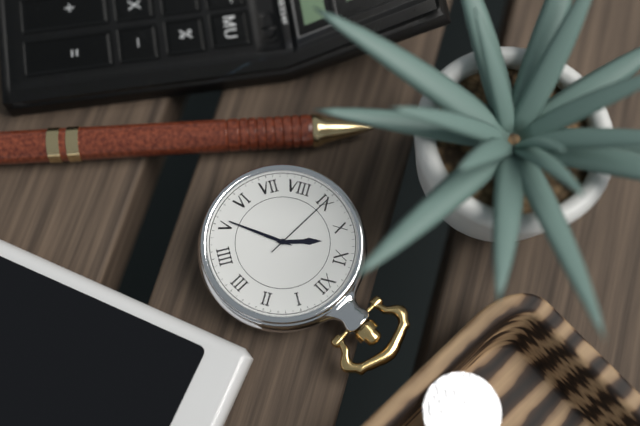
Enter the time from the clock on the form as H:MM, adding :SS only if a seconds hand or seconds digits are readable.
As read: 10:26:45
